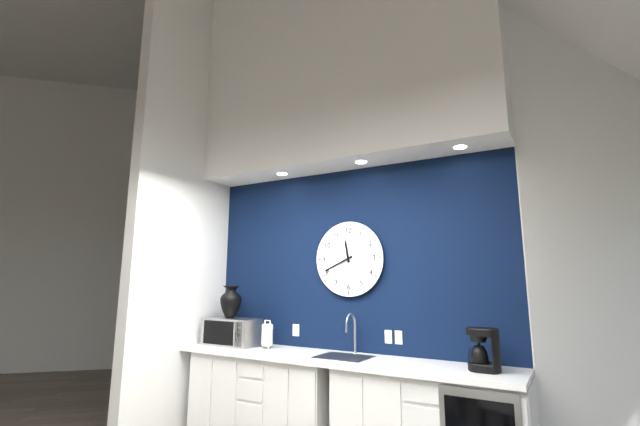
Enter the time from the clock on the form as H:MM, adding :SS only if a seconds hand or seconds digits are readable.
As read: 11:41
